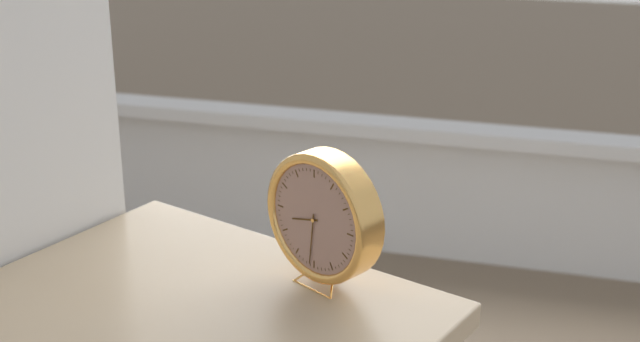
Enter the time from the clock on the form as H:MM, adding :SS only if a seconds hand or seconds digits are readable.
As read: 8:31
